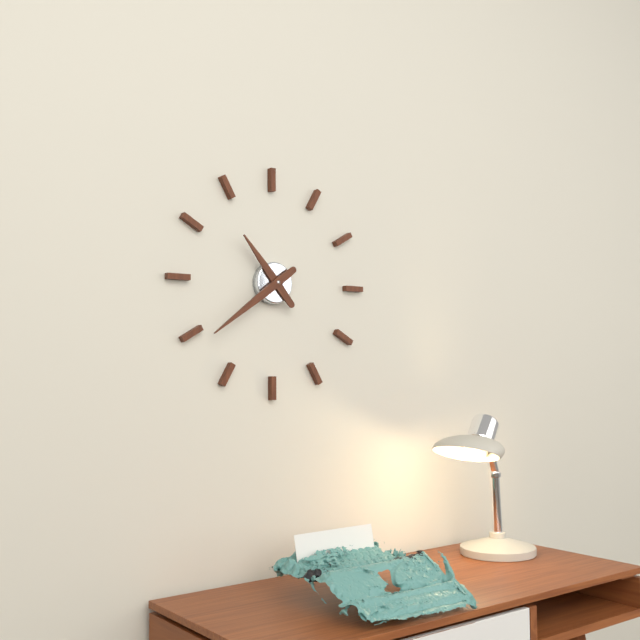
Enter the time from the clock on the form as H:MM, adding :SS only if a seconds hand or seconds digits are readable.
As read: 10:39
